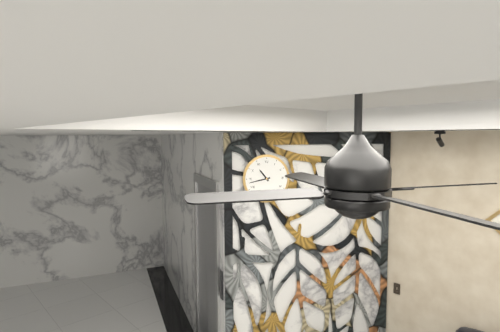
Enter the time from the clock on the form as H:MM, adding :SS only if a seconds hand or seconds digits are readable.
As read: 10:43
